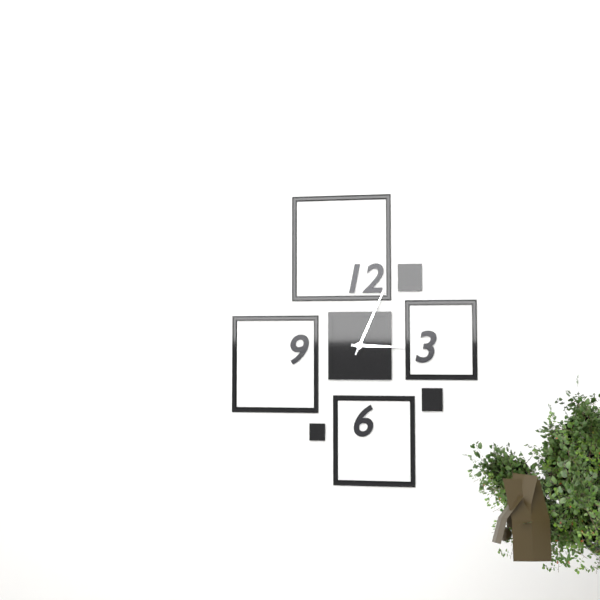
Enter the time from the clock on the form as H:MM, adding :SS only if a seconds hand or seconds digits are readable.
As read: 3:04
